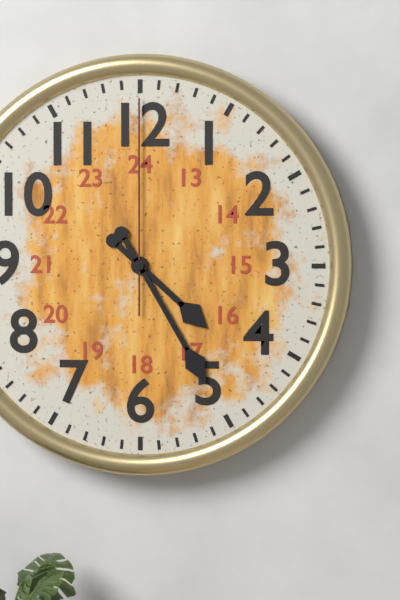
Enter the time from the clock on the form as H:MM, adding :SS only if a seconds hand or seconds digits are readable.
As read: 4:25:00
